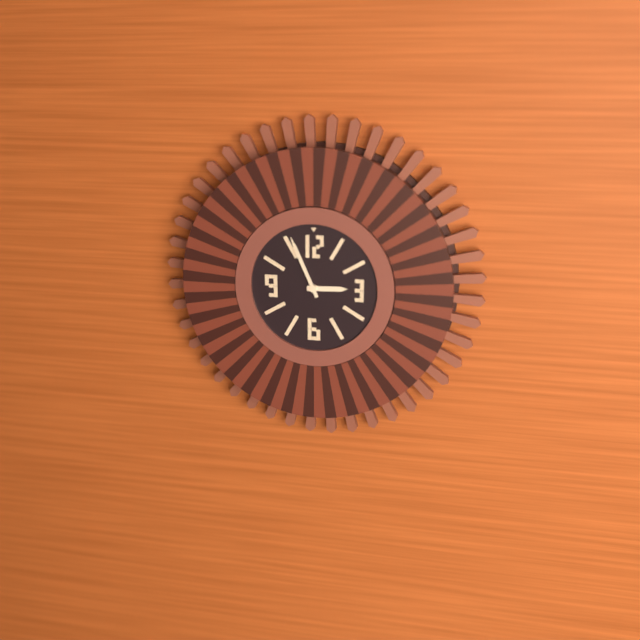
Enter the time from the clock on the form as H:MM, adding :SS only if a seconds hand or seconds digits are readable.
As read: 2:56
